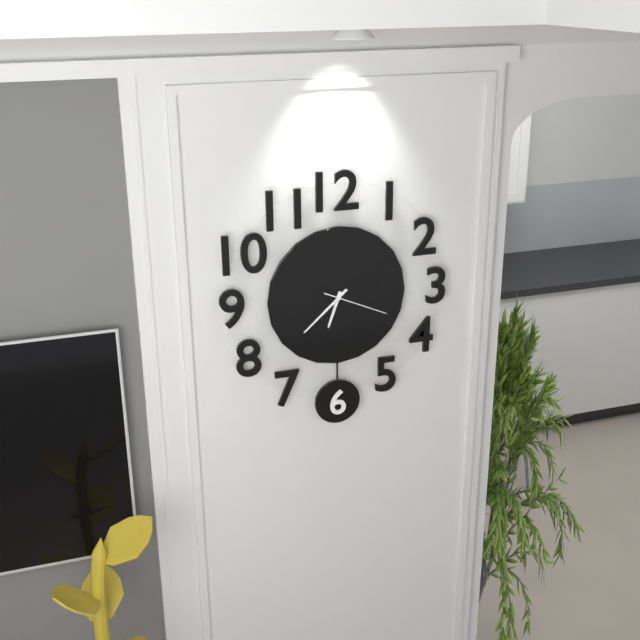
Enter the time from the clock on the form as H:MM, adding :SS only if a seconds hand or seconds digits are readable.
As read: 6:38:19
